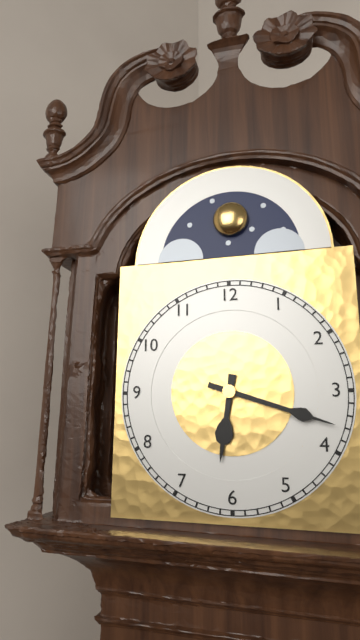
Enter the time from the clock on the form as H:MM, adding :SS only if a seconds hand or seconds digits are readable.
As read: 6:18
